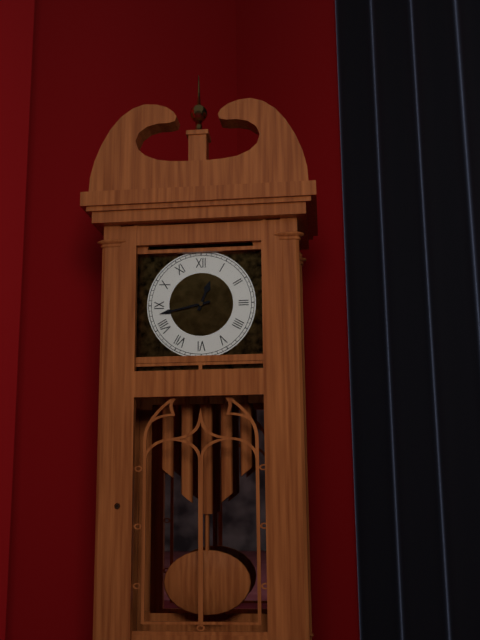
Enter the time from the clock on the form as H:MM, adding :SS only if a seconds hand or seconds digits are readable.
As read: 12:43
